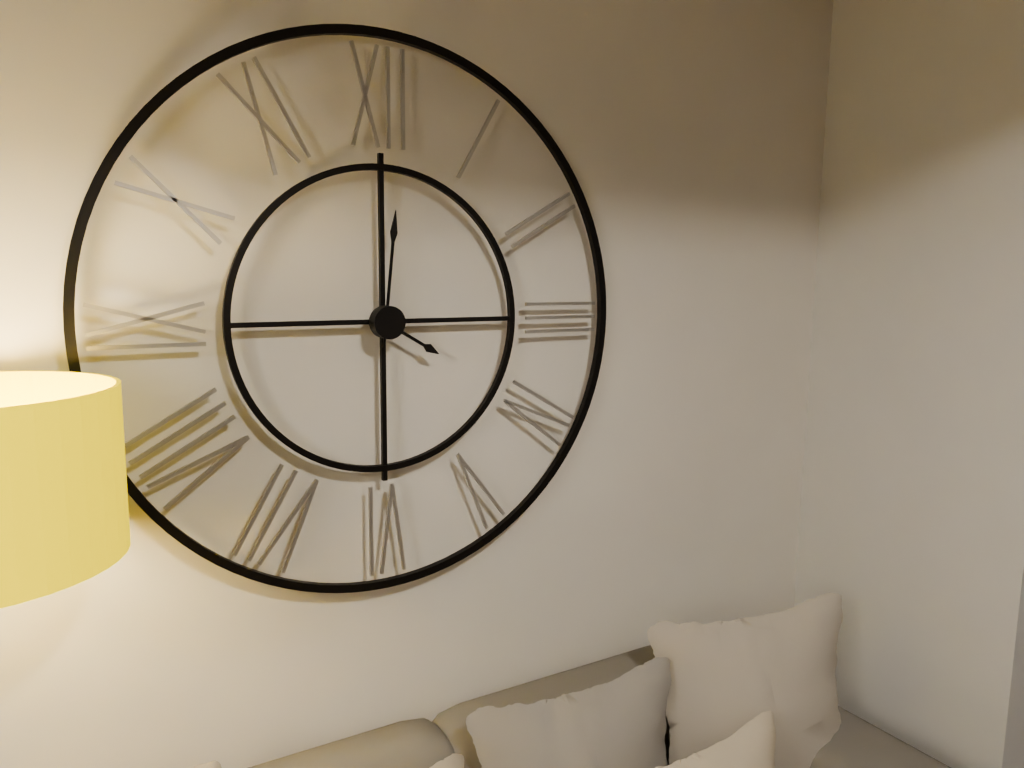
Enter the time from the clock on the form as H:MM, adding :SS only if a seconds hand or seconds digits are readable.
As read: 4:01
